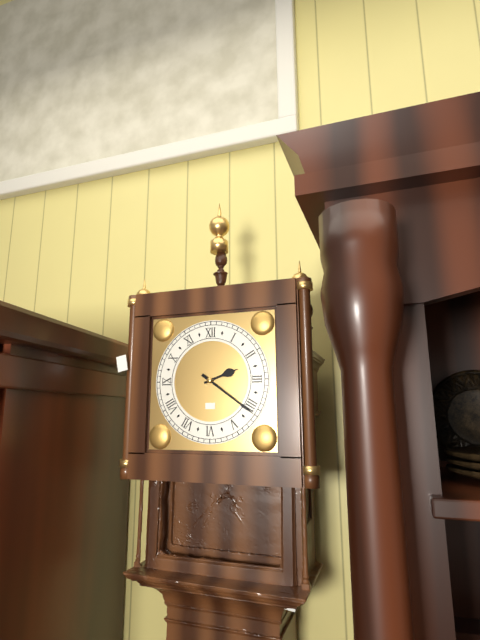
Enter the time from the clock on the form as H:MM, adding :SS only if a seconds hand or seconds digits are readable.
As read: 2:21
